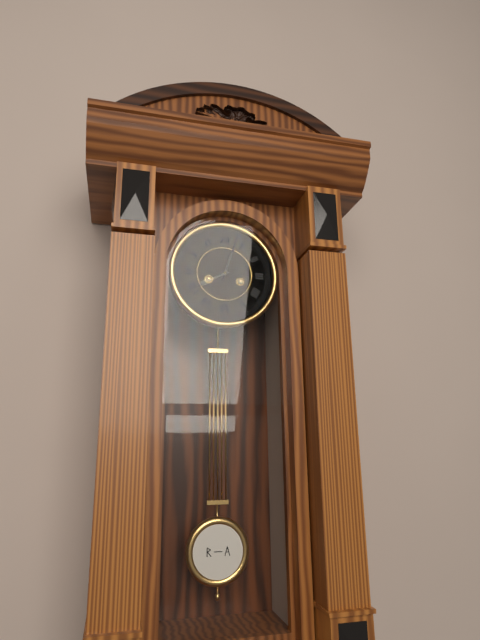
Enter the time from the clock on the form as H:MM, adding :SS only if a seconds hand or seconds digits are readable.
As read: 8:03
